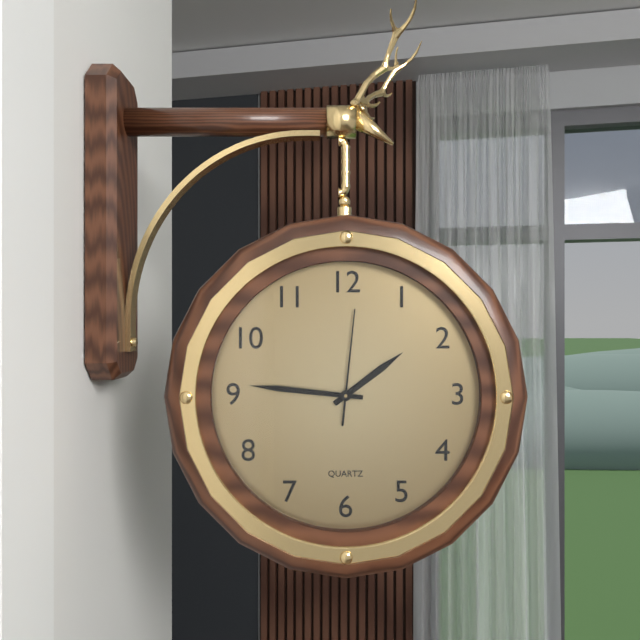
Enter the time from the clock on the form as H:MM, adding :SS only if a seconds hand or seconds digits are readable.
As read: 1:46:01
